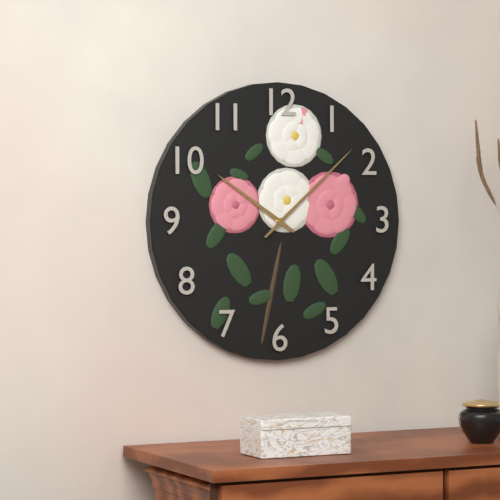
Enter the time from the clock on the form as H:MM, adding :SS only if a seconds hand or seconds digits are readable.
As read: 10:08
